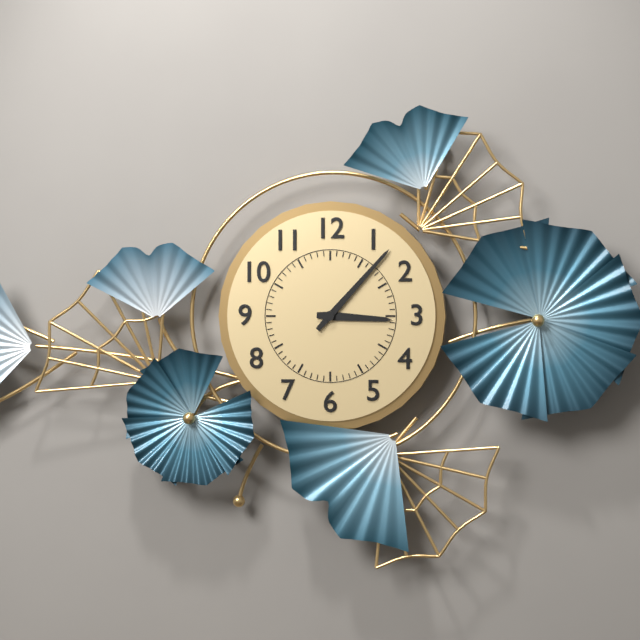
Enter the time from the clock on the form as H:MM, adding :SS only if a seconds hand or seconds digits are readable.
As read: 3:07
